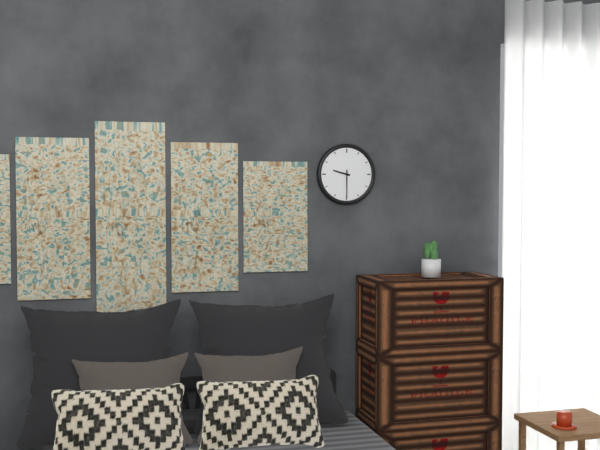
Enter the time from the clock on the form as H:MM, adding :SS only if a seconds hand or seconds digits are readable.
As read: 9:30
